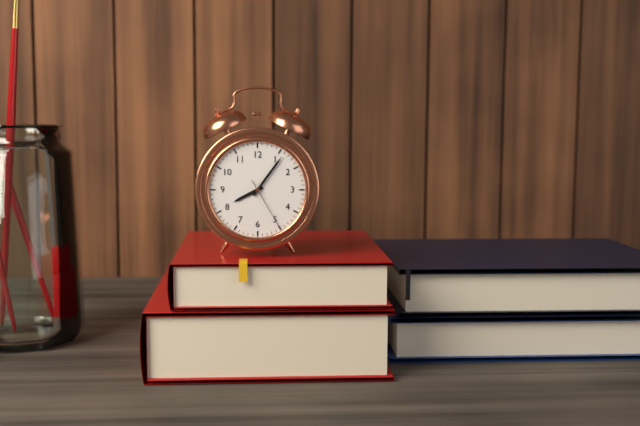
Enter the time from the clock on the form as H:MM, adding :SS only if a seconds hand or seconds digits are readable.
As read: 8:06:25
